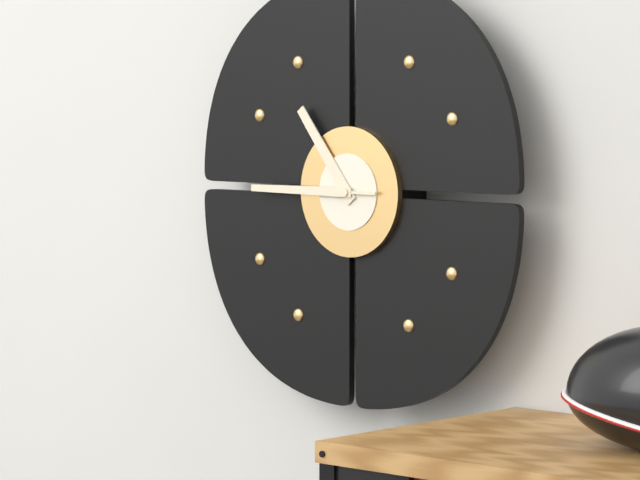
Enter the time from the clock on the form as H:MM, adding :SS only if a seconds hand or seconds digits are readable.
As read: 10:45
